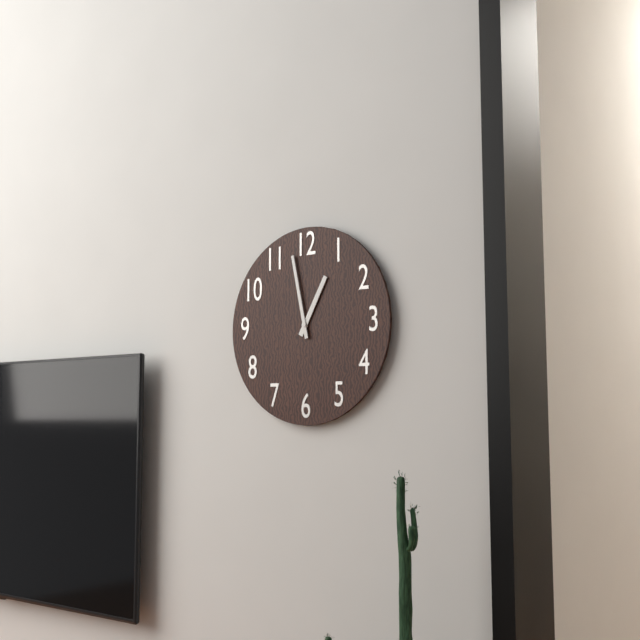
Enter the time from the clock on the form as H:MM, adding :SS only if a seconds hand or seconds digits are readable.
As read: 12:58
